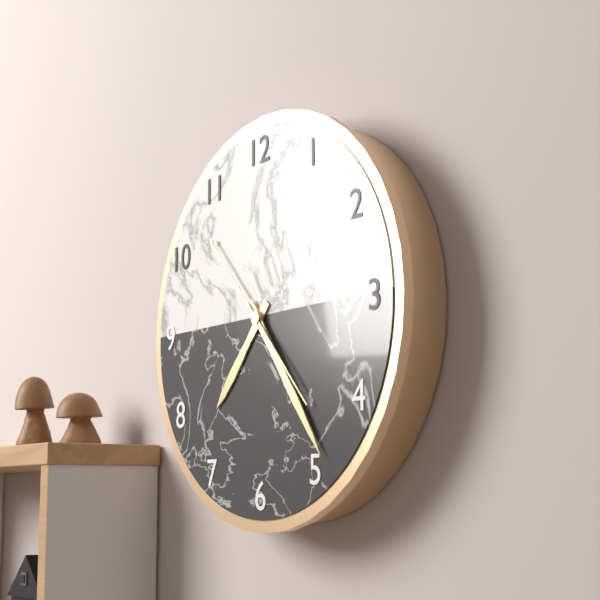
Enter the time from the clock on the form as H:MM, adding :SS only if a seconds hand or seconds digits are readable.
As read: 7:24:53
